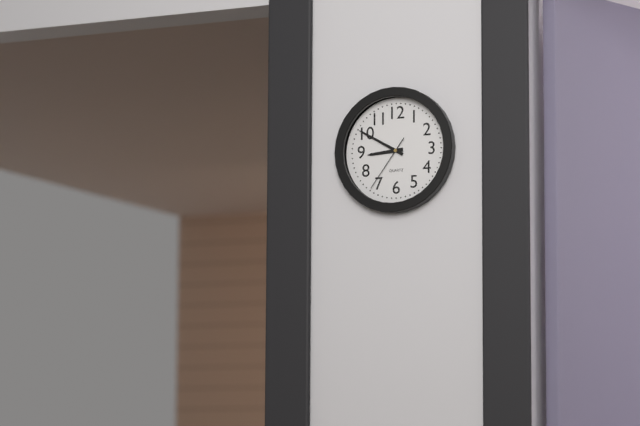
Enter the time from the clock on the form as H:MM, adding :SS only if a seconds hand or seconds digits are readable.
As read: 8:50:36
